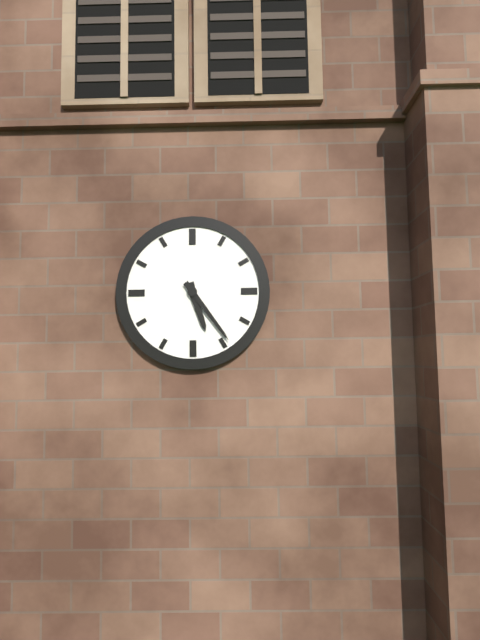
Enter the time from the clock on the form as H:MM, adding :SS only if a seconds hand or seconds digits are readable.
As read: 5:24
